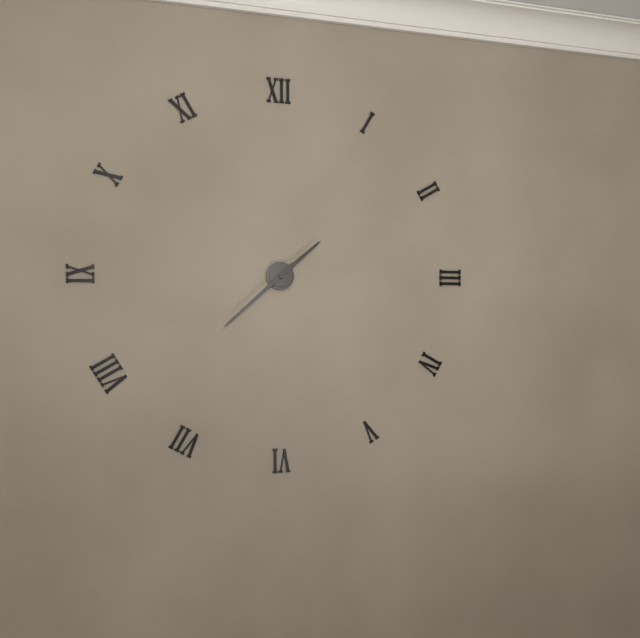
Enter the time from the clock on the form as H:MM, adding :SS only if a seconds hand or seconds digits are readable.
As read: 1:38
